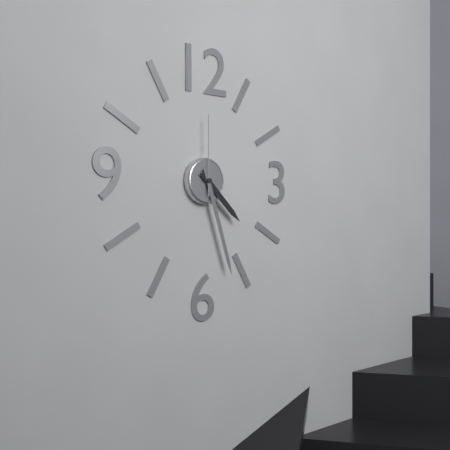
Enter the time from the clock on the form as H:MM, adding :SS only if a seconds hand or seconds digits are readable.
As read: 4:27:00
